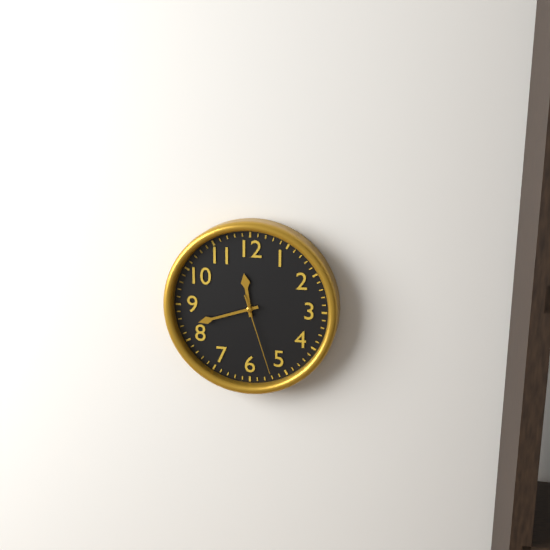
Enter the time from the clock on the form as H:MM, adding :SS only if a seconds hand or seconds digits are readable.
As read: 11:42:27
